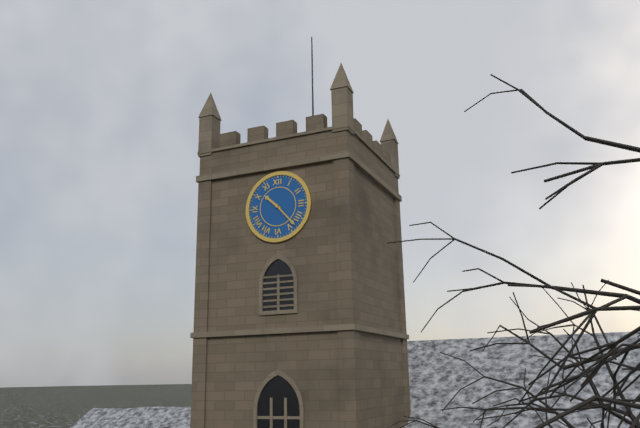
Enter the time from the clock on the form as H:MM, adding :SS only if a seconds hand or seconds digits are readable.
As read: 10:23
